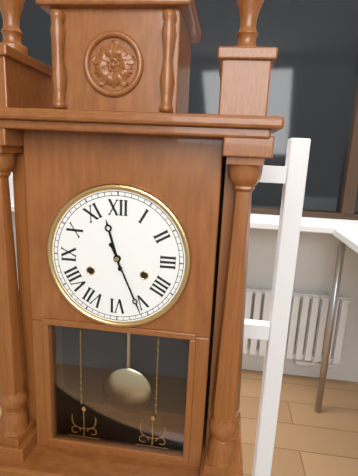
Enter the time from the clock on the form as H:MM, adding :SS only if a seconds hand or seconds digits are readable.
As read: 11:26
